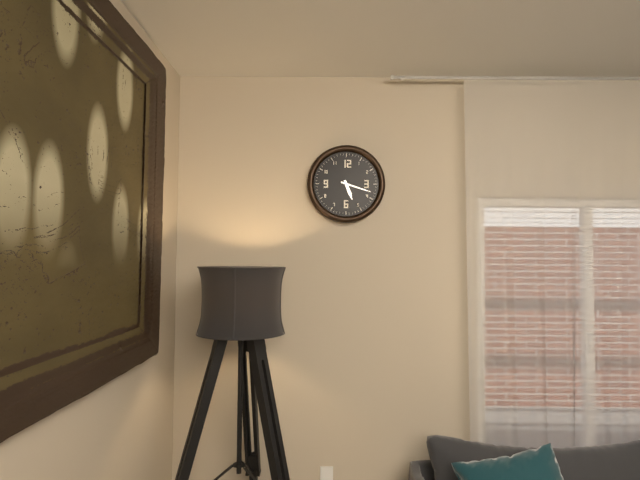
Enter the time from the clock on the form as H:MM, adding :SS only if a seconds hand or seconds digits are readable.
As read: 5:18
